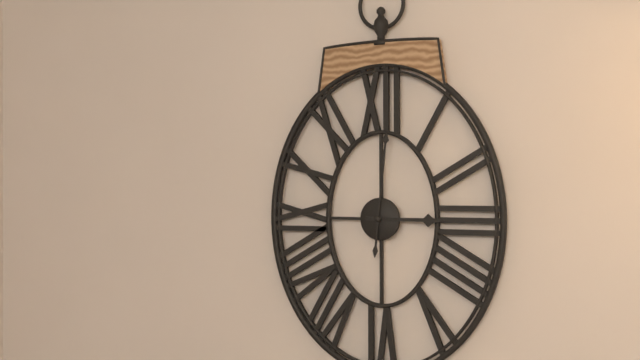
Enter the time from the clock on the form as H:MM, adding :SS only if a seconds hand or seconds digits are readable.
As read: 3:01
